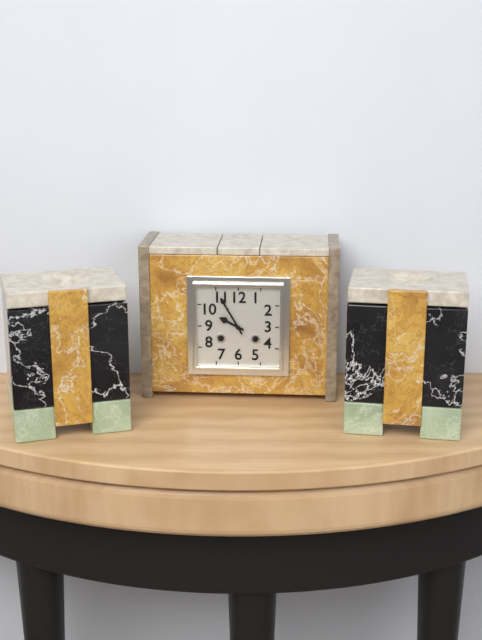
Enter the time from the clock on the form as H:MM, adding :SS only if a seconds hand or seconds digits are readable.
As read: 9:55
